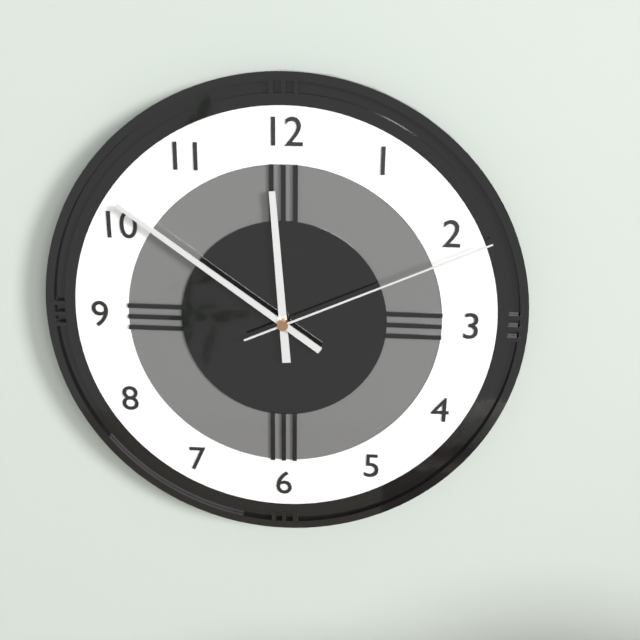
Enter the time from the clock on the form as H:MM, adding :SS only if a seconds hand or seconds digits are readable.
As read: 11:51:11
